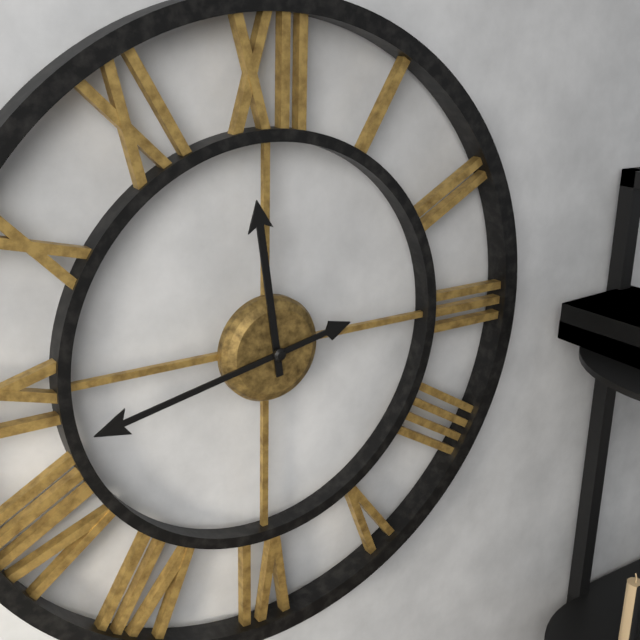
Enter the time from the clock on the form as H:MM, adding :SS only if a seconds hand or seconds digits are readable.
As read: 11:43
